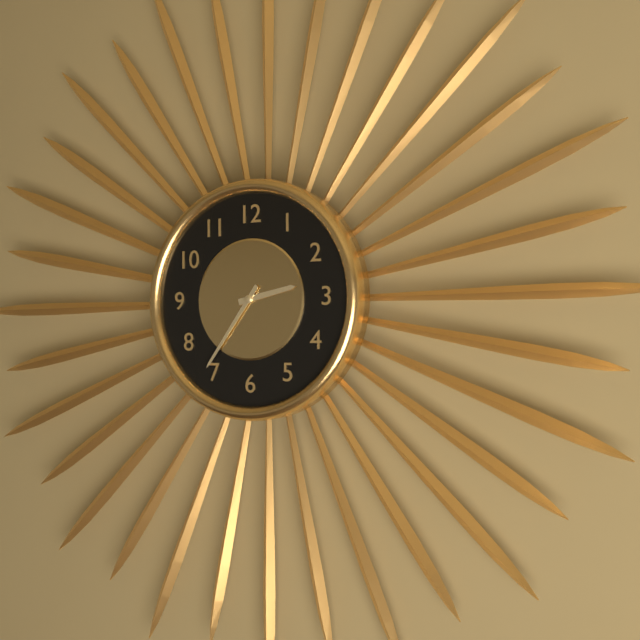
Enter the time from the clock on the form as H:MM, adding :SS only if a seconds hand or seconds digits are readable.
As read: 2:36
